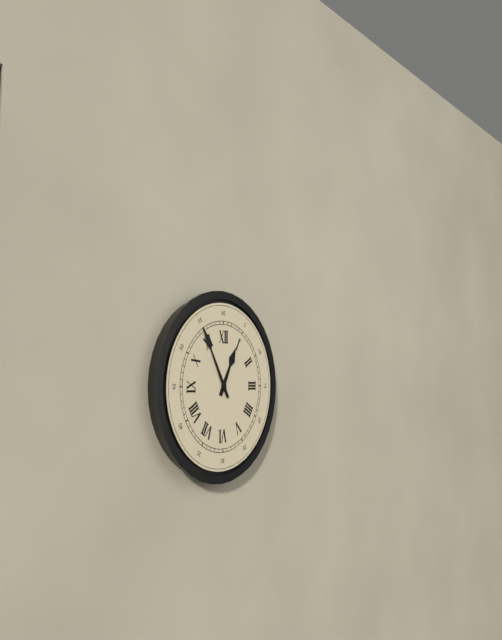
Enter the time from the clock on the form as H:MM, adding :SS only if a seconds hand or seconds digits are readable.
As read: 12:55
